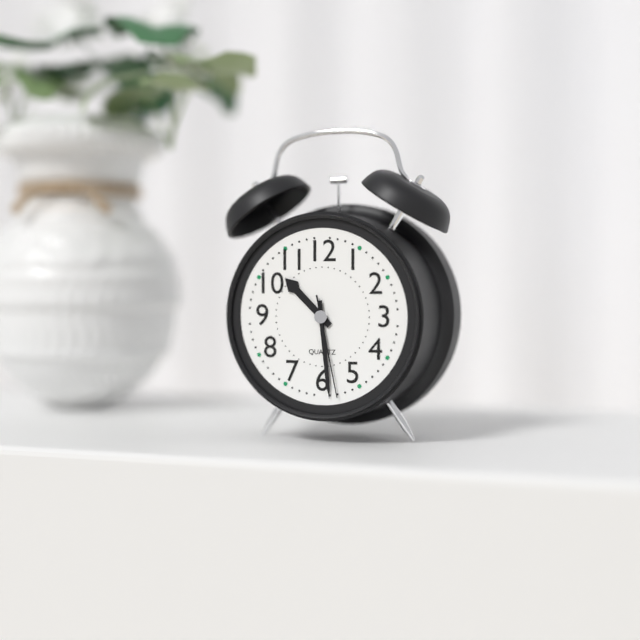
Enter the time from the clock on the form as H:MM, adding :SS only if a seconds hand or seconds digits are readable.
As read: 10:29:28
